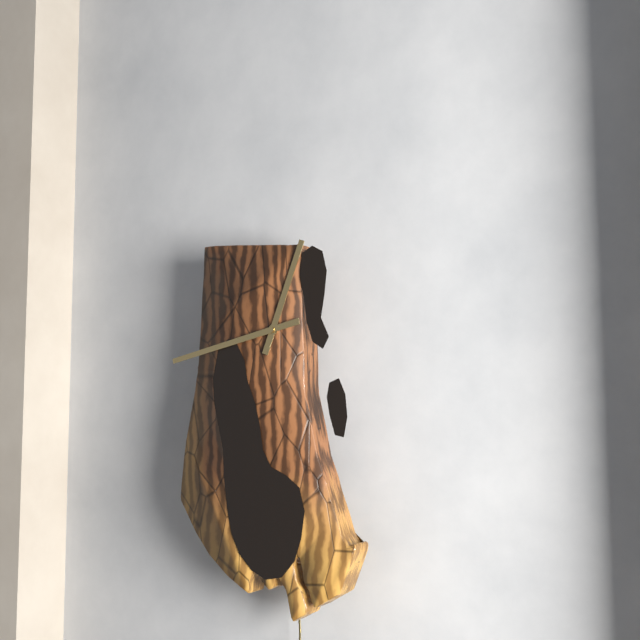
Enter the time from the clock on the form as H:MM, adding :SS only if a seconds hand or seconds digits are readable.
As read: 12:43
